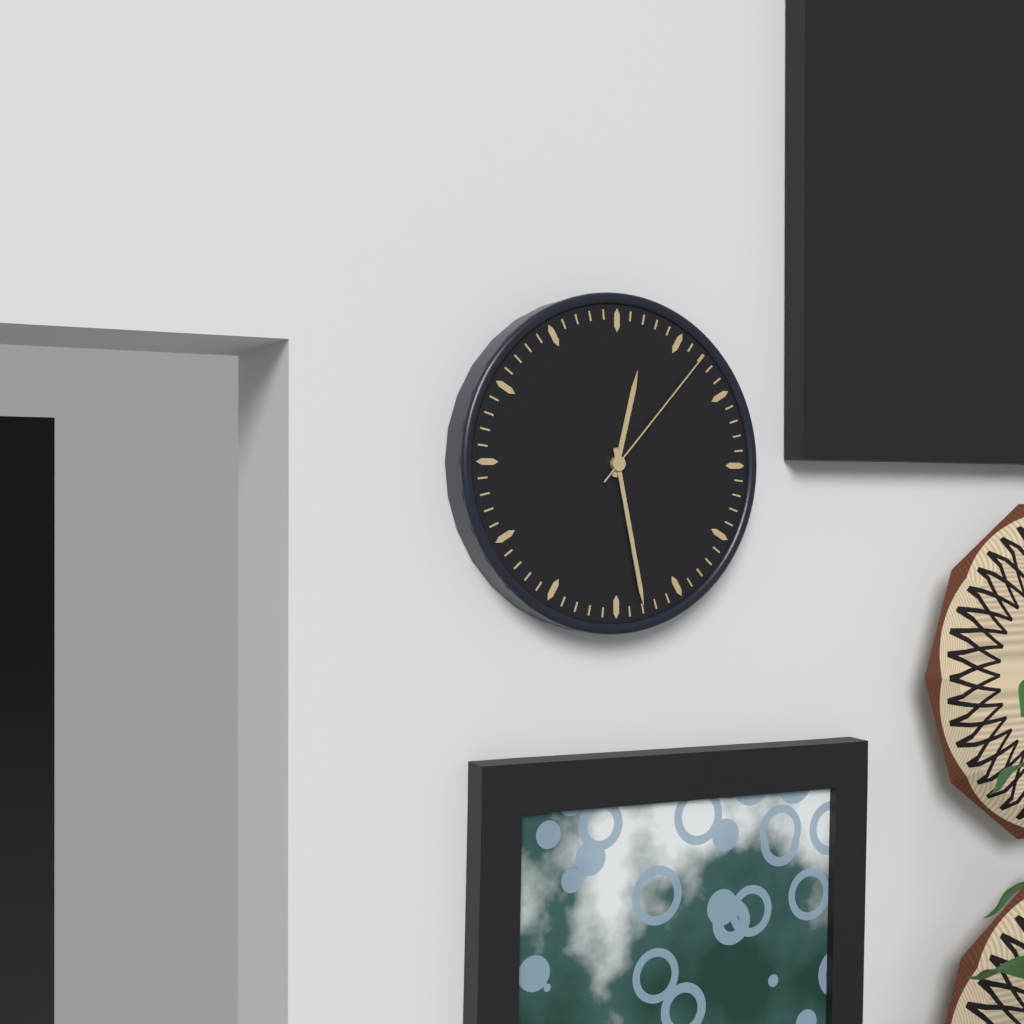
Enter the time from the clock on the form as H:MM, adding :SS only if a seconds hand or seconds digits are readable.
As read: 12:28:07
